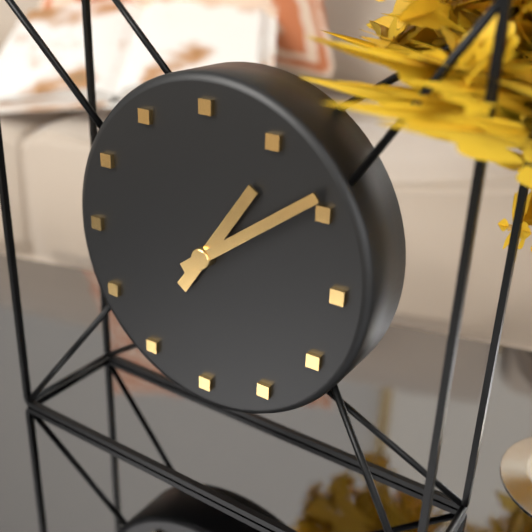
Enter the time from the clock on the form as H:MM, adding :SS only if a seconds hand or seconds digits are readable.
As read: 1:09
